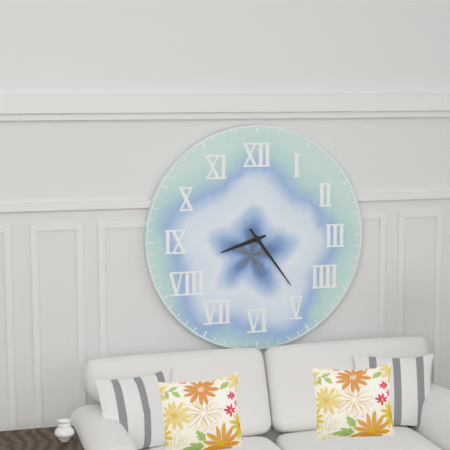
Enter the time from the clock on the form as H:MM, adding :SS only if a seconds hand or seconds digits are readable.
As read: 8:24
